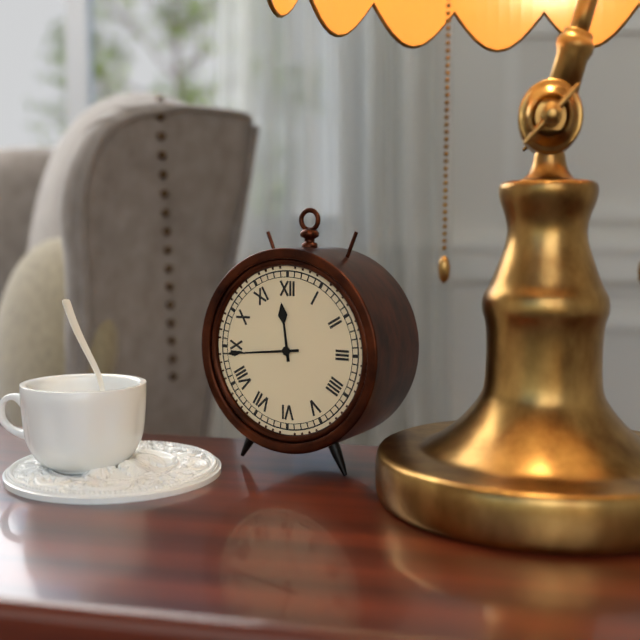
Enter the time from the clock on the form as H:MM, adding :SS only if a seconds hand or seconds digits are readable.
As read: 11:44
